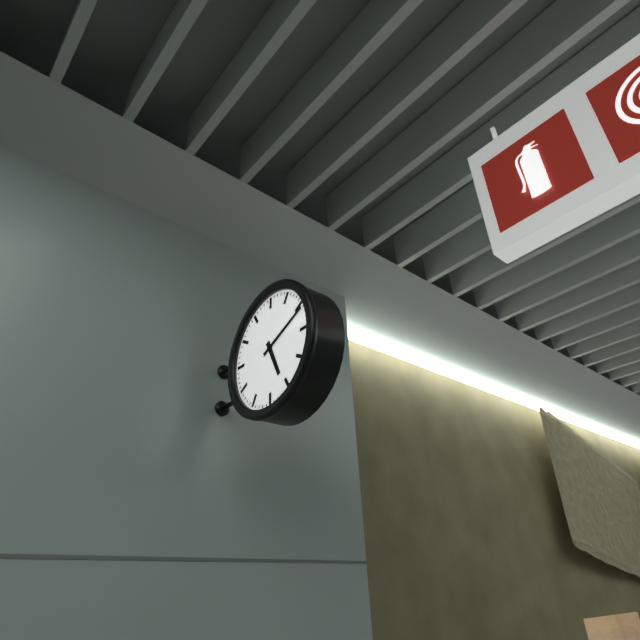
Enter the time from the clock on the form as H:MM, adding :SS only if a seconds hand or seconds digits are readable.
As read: 5:11
